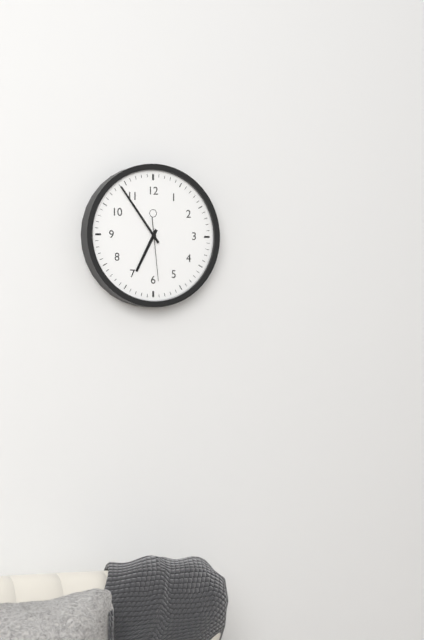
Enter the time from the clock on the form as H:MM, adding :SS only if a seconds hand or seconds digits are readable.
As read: 6:54:29
